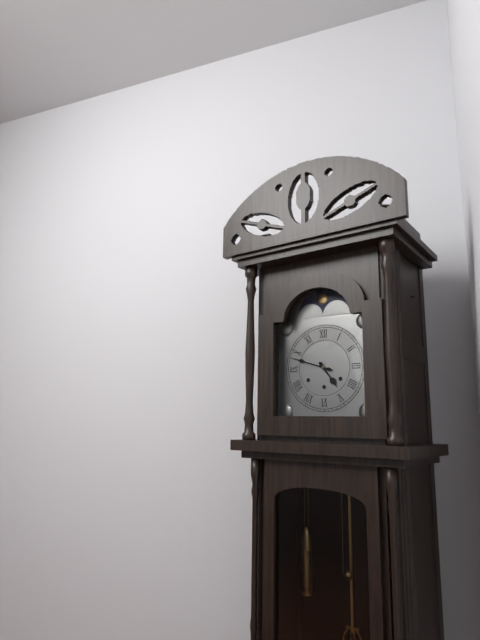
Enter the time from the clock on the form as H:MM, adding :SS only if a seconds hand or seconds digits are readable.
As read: 4:48
